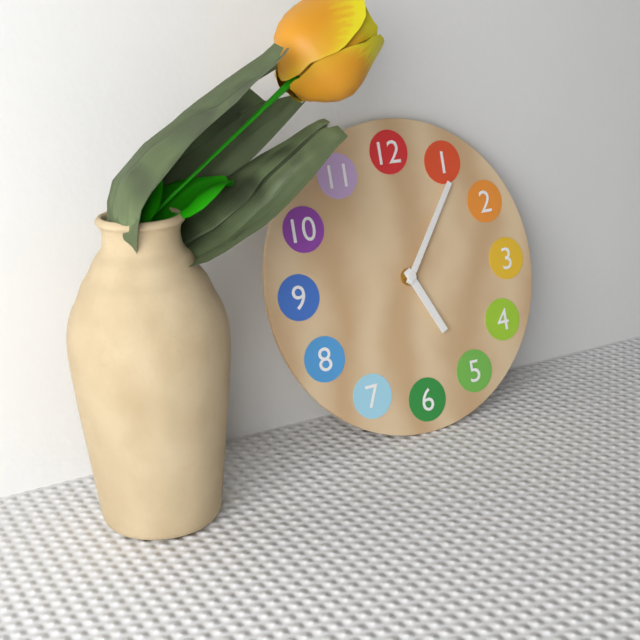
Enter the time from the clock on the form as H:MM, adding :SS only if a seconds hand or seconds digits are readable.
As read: 5:06
